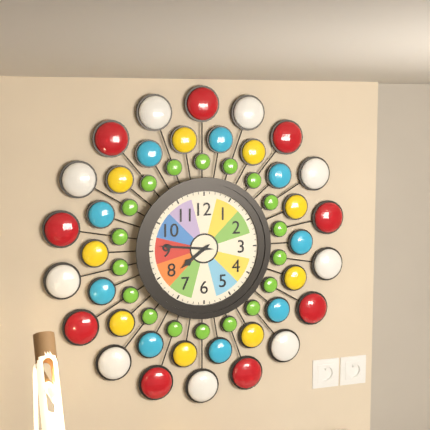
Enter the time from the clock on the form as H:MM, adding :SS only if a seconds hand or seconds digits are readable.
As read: 7:46
